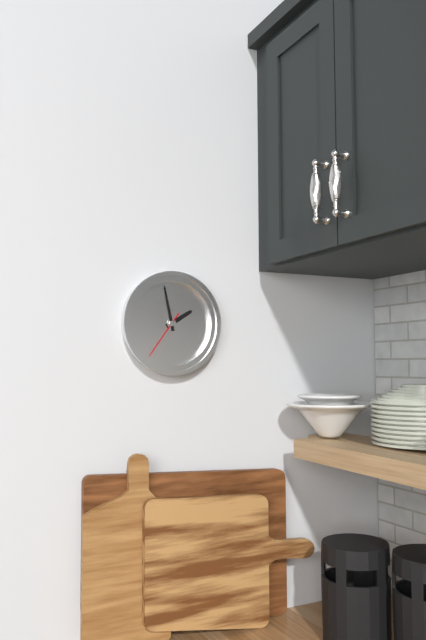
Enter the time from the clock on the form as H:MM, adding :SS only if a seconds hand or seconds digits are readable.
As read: 1:58
